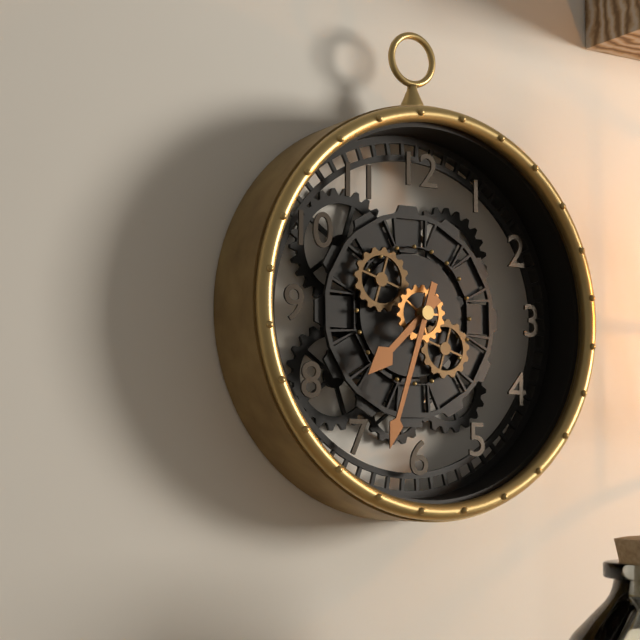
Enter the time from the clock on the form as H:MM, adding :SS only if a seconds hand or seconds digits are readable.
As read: 7:33
